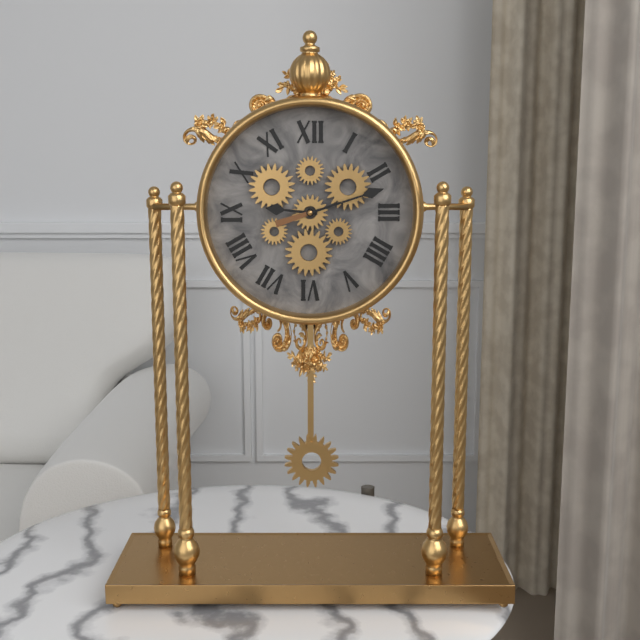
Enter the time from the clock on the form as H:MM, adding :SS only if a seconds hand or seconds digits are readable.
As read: 9:12
